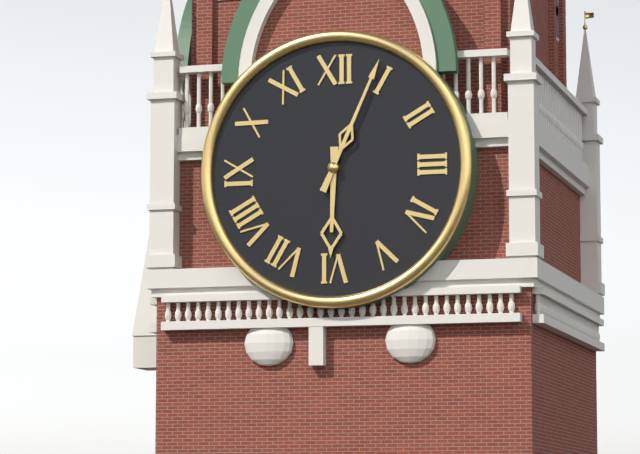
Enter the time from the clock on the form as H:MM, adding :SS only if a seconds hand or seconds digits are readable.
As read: 6:04
